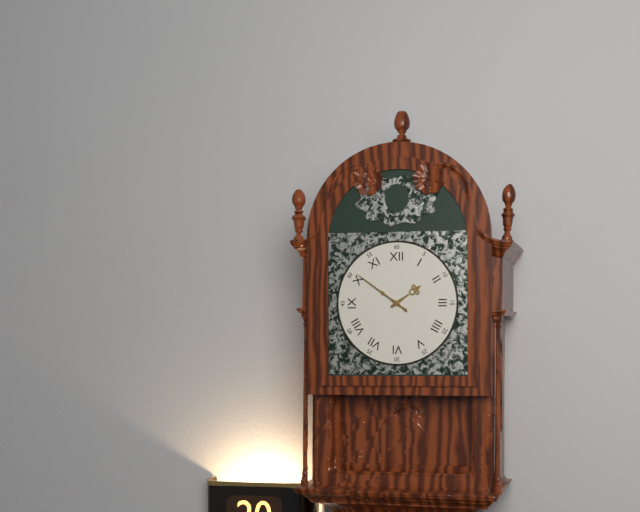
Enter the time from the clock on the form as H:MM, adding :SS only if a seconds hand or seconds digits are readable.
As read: 1:51
